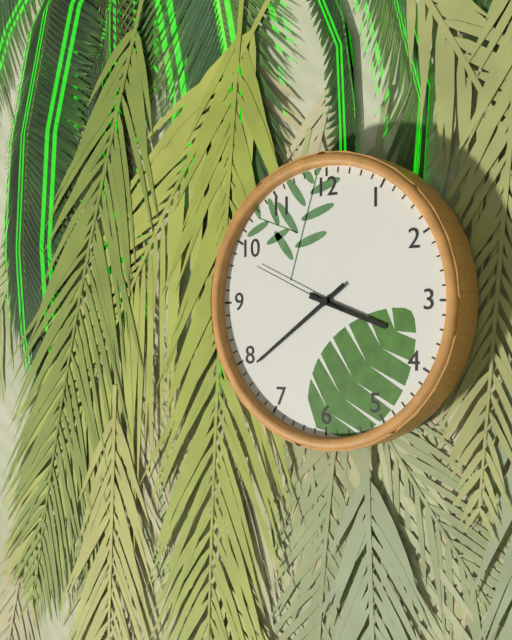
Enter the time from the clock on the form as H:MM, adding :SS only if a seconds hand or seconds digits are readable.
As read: 3:39:49
